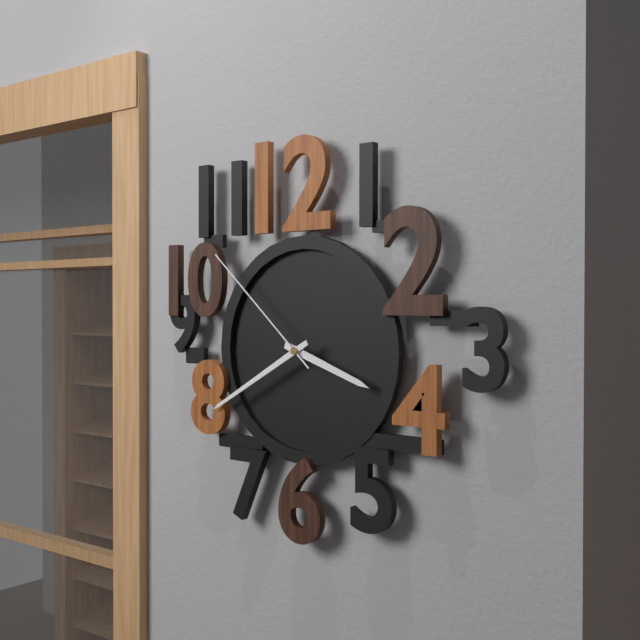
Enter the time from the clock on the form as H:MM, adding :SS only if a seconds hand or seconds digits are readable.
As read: 3:40:52
